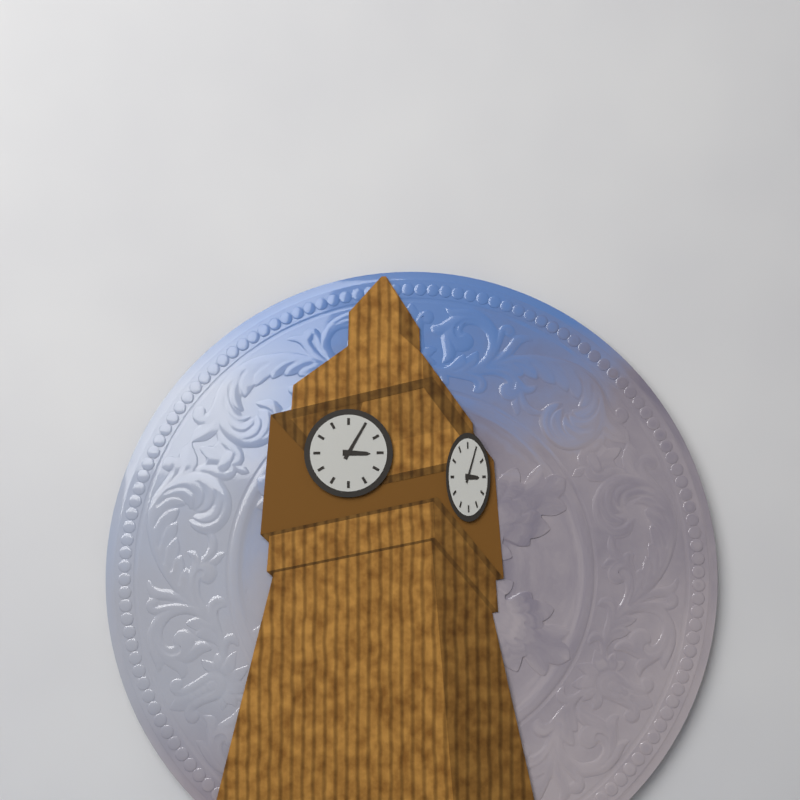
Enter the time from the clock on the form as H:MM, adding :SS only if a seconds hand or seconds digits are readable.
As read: 3:05
